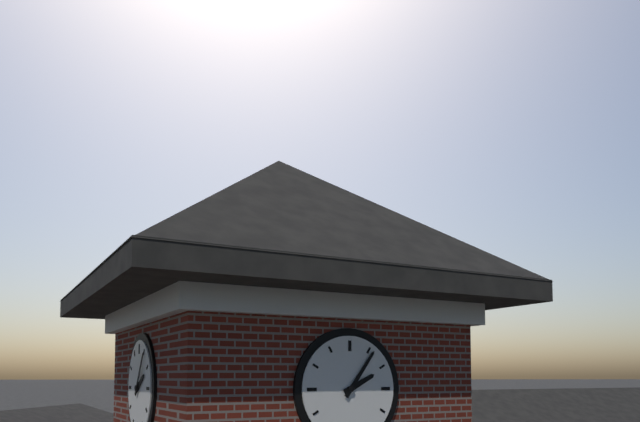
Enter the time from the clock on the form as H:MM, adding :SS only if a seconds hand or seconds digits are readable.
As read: 2:06
